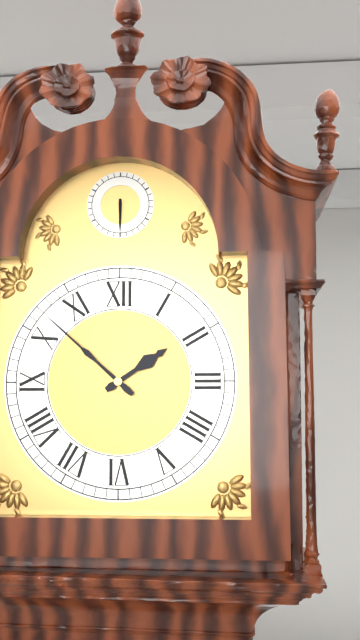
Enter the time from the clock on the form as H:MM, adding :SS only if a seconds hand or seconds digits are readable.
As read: 1:52
